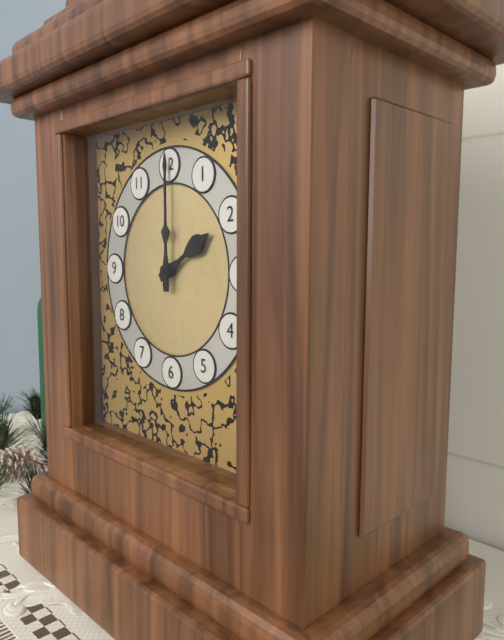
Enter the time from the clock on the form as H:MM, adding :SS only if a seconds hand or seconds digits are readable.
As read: 2:00
